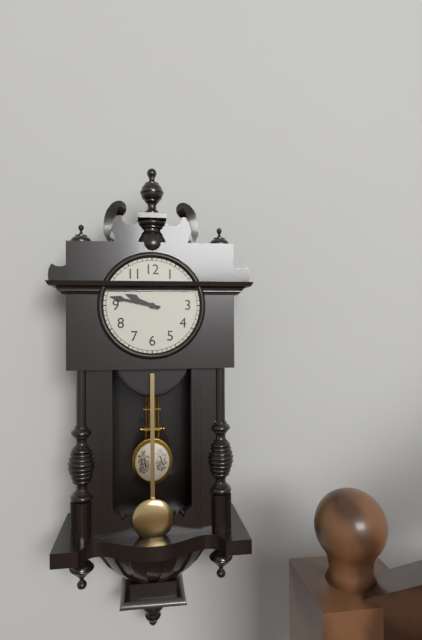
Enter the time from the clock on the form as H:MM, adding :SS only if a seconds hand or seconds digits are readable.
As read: 9:47
